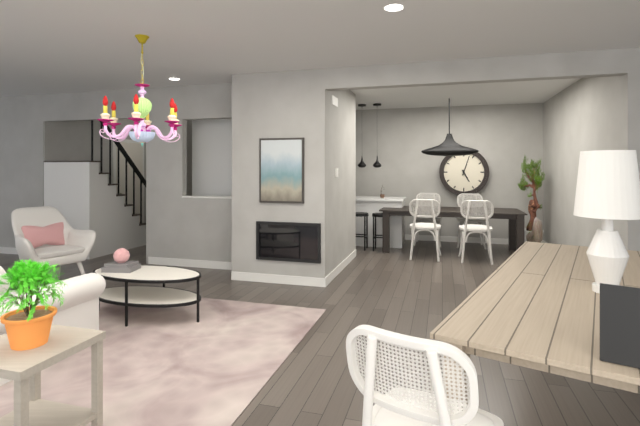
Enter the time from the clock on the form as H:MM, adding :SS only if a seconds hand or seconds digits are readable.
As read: 5:03
